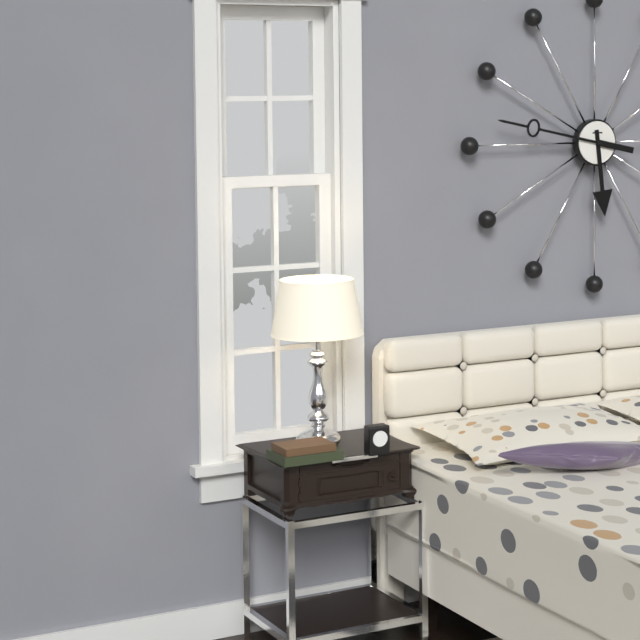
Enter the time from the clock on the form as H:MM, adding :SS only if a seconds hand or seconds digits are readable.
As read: 5:47
